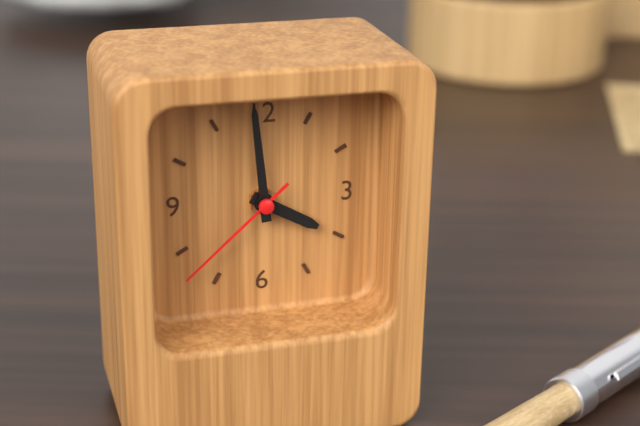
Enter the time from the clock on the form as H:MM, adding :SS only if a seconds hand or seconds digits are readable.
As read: 3:59:38
